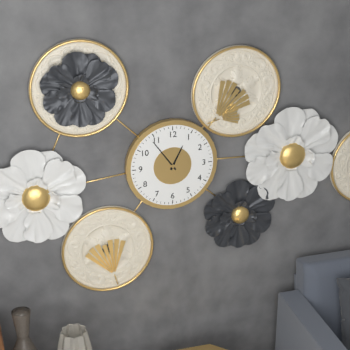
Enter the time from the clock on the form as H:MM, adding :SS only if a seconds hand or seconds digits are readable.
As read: 12:54
